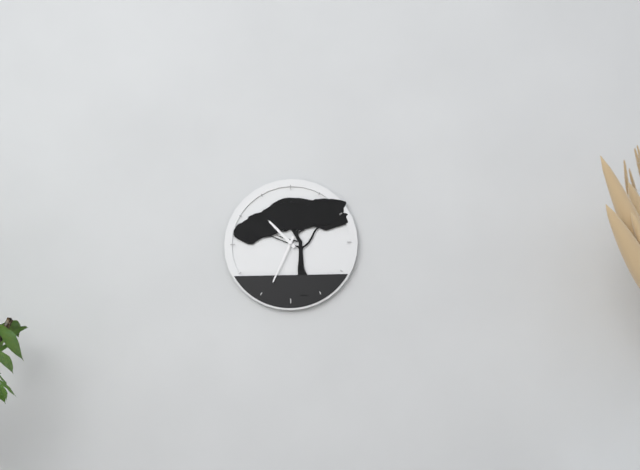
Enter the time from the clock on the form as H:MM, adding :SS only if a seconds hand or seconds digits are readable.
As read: 10:34
